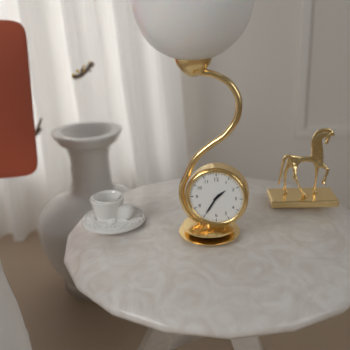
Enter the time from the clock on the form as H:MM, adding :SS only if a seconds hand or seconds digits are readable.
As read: 1:35
